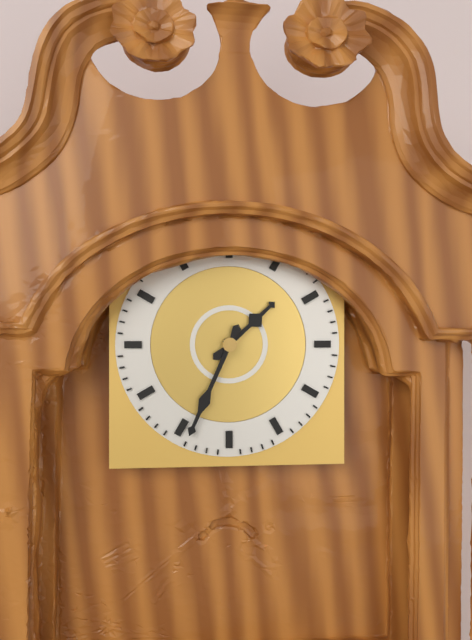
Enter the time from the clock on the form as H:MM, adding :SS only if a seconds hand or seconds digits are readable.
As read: 1:34
